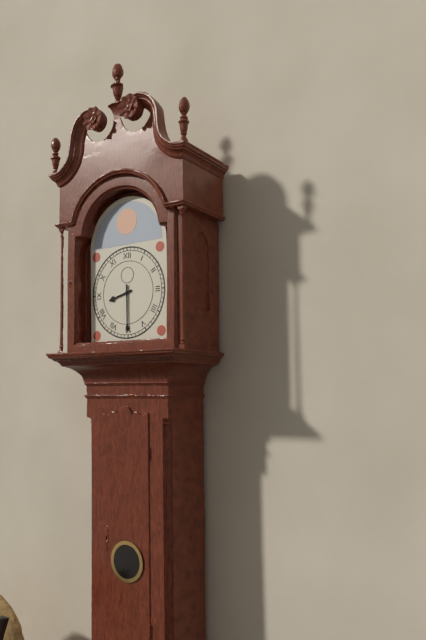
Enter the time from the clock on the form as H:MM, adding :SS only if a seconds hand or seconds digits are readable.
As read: 8:30
